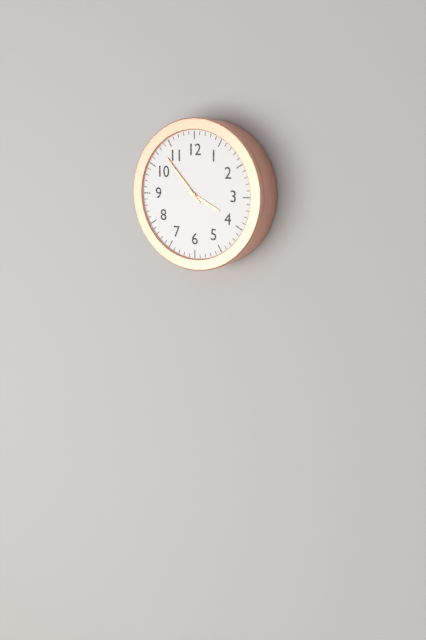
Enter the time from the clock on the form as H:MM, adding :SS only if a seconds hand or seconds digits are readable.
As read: 3:53
